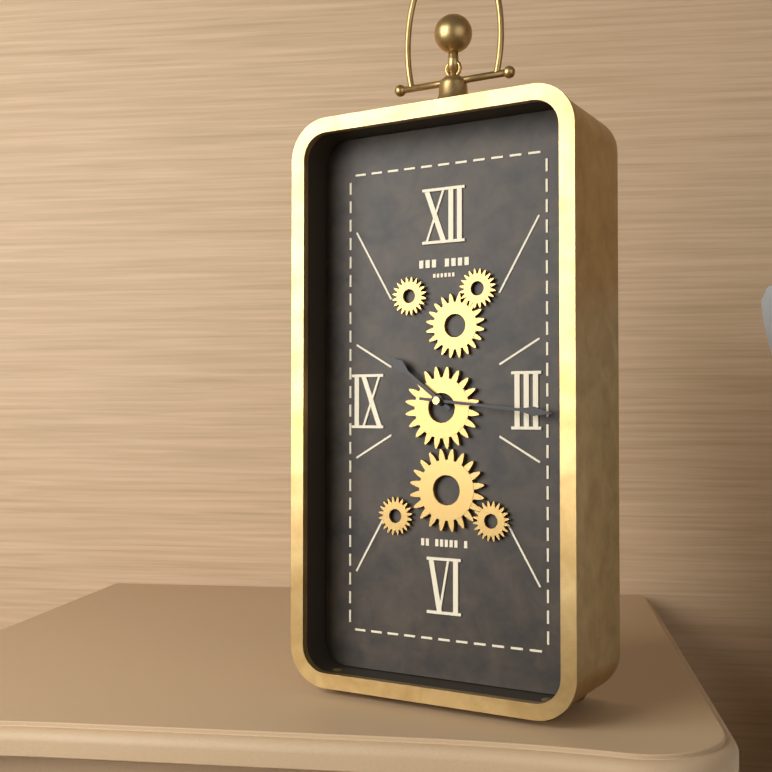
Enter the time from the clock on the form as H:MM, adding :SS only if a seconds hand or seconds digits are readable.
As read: 10:16
